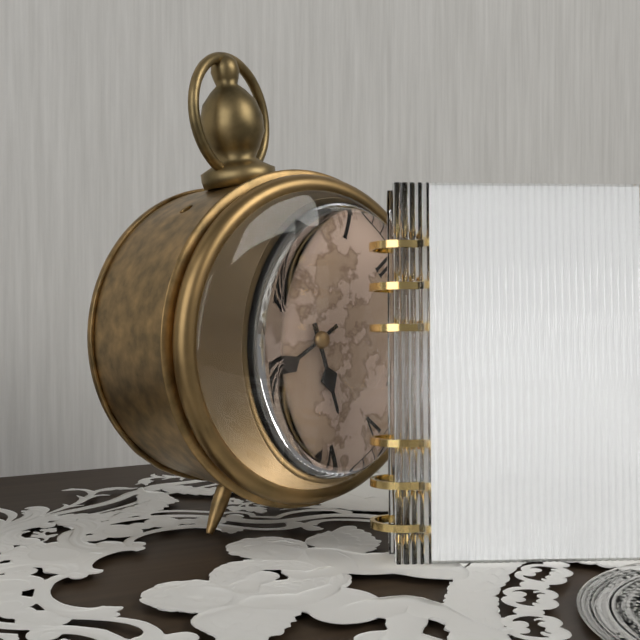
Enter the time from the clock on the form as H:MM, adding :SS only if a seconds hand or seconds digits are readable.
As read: 5:41
